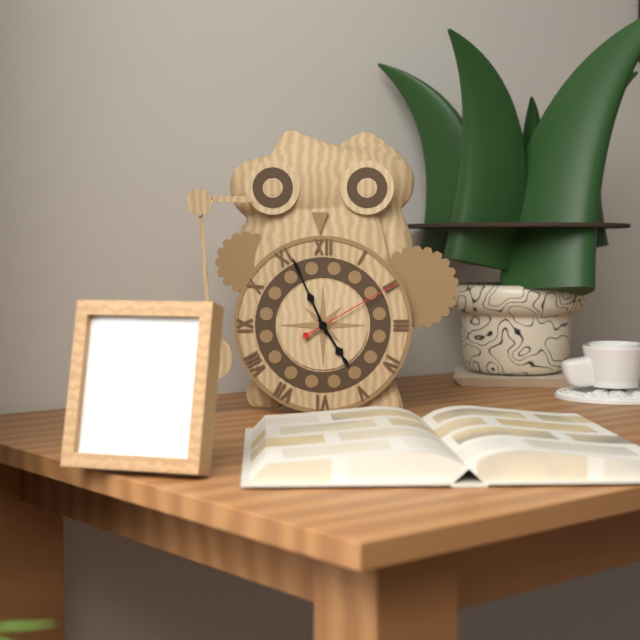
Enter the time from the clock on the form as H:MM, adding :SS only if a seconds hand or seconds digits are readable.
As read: 4:56:10
